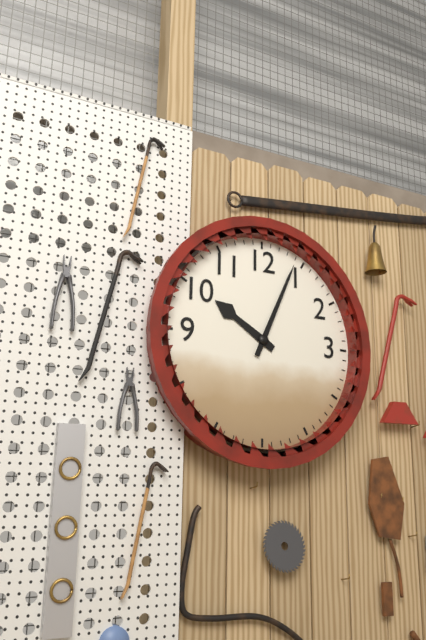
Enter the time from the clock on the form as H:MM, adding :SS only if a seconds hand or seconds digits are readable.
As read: 10:04
